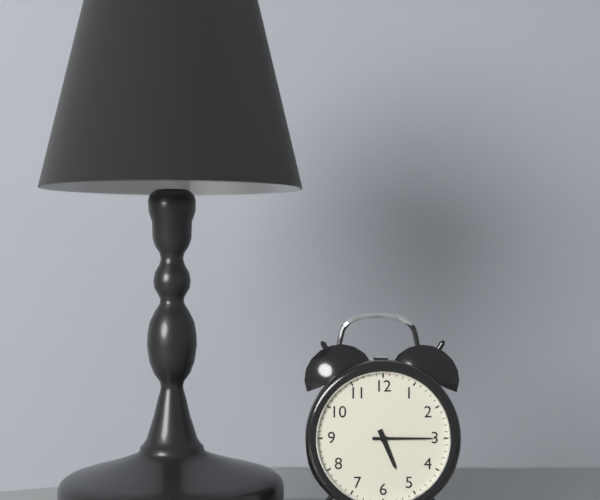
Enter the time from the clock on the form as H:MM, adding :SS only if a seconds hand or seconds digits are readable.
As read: 5:15
